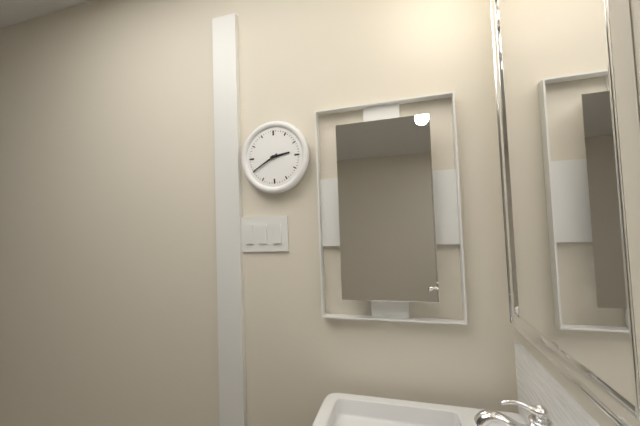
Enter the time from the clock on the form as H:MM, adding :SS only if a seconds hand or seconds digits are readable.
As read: 2:40
